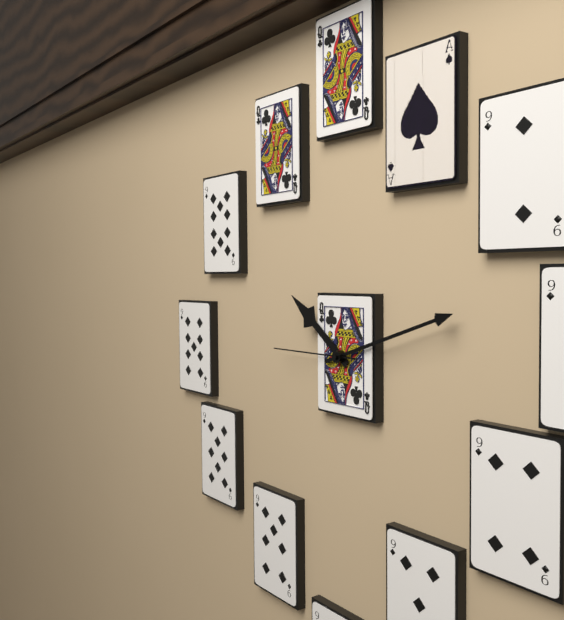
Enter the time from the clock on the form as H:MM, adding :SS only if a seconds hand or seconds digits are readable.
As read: 10:12:45
